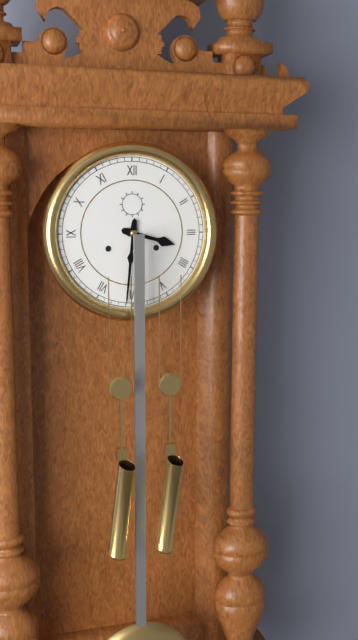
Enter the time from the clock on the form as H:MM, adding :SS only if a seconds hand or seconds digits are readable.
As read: 3:31
